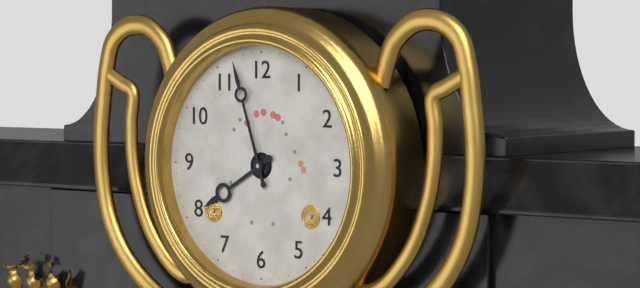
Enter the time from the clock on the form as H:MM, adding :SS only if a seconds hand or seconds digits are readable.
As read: 7:57
